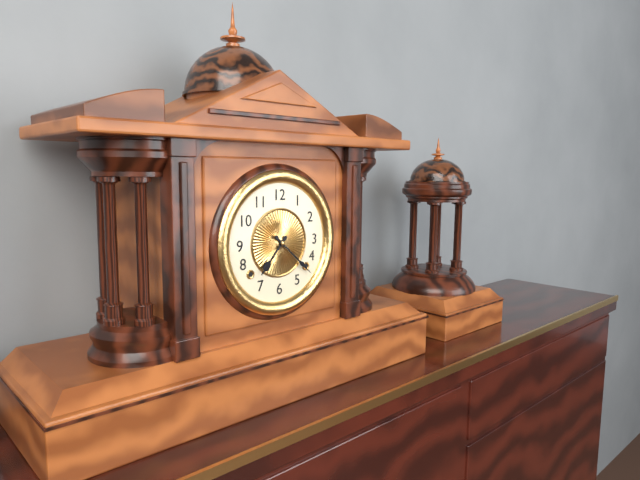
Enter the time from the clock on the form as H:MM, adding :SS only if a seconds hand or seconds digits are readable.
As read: 7:22
